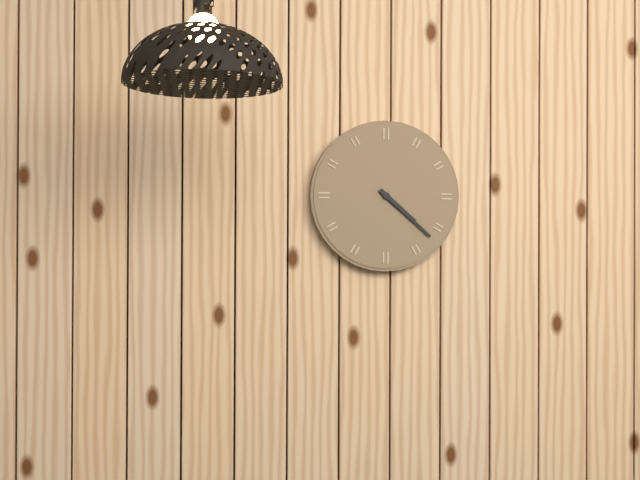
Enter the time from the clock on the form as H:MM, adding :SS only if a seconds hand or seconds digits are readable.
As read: 4:22
